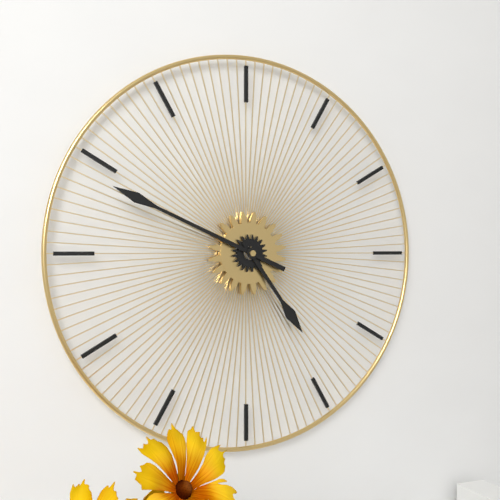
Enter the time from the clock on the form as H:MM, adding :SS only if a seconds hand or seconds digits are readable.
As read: 4:49
